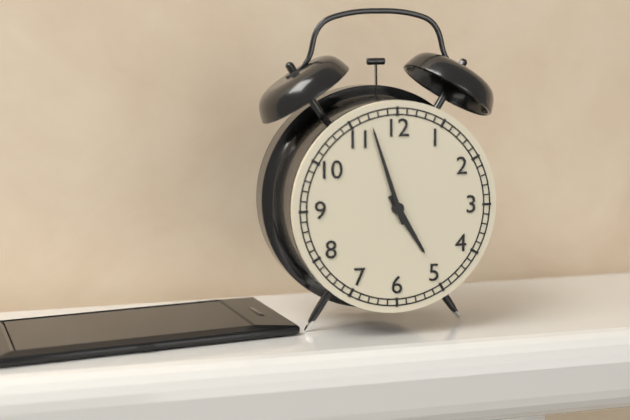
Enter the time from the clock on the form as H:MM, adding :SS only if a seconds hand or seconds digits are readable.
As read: 4:57
